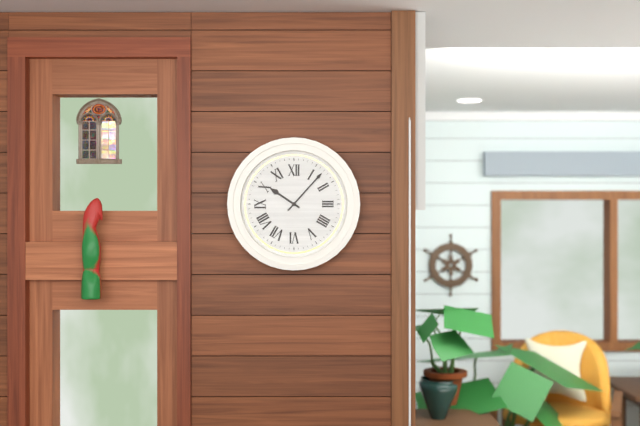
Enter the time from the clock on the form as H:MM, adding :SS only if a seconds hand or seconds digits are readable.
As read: 10:07
